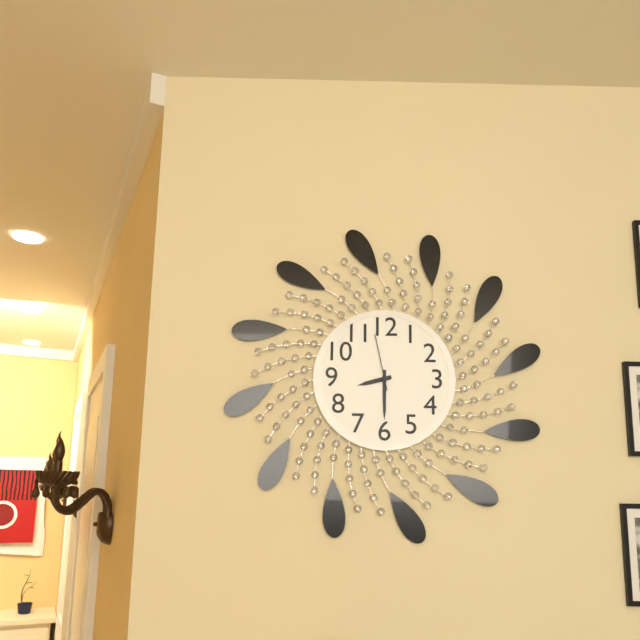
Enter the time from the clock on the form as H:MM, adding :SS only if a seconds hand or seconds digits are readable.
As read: 8:30:58
